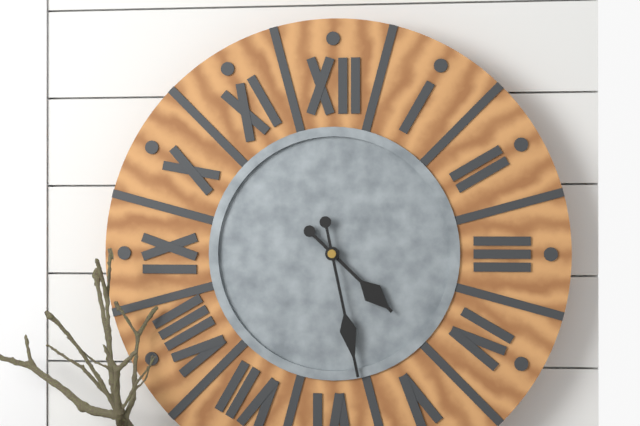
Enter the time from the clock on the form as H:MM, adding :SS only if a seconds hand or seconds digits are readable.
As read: 4:28
